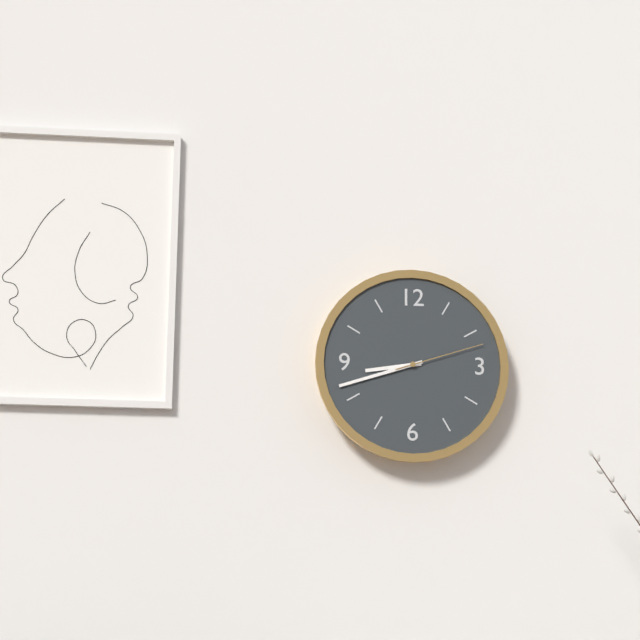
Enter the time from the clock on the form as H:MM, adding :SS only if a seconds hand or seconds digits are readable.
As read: 8:42:12
